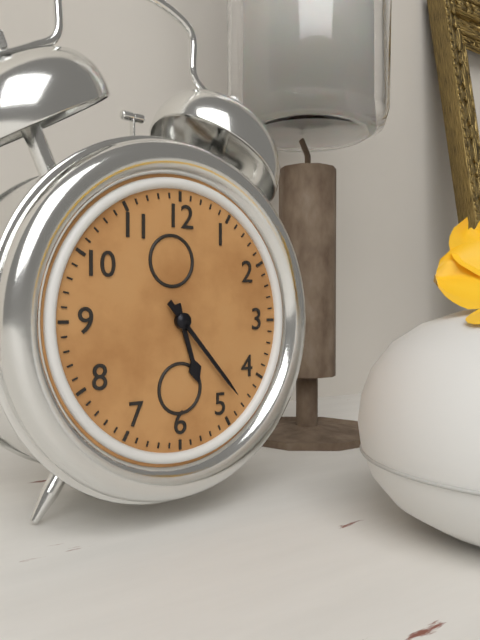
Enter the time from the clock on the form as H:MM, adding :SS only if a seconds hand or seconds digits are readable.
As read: 5:23
